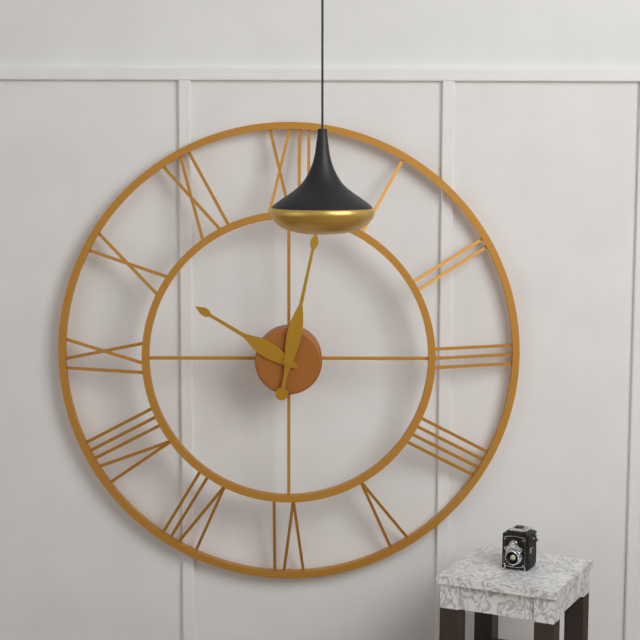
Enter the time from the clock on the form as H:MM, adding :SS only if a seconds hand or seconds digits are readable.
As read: 10:02
